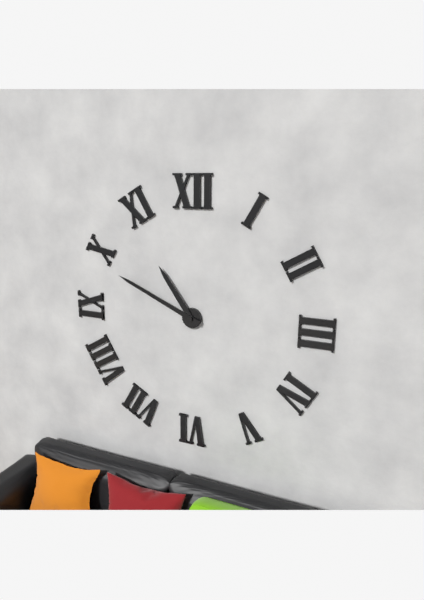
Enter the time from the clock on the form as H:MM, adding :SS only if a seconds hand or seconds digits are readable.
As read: 10:49
